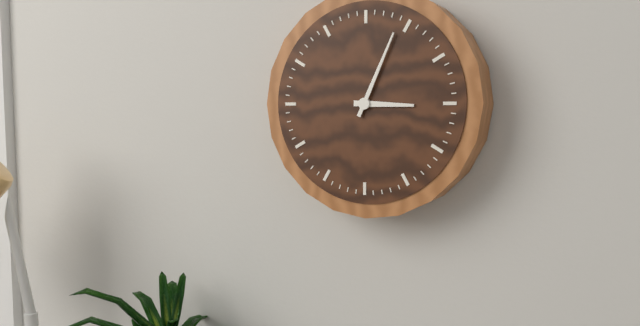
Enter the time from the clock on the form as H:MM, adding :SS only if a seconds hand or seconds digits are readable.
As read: 3:04
